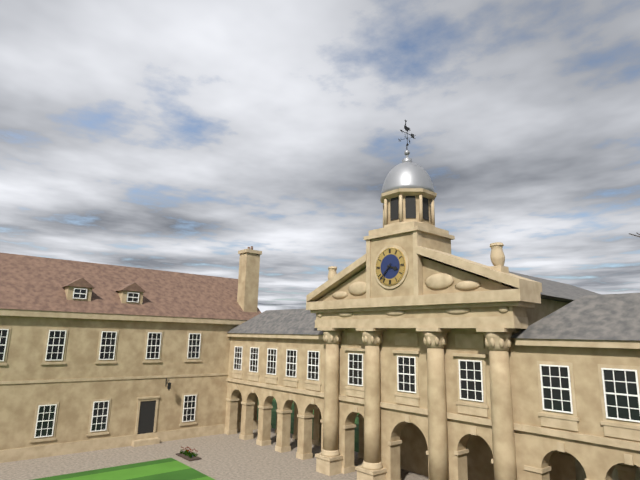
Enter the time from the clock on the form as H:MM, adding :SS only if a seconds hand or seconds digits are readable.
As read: 3:37
